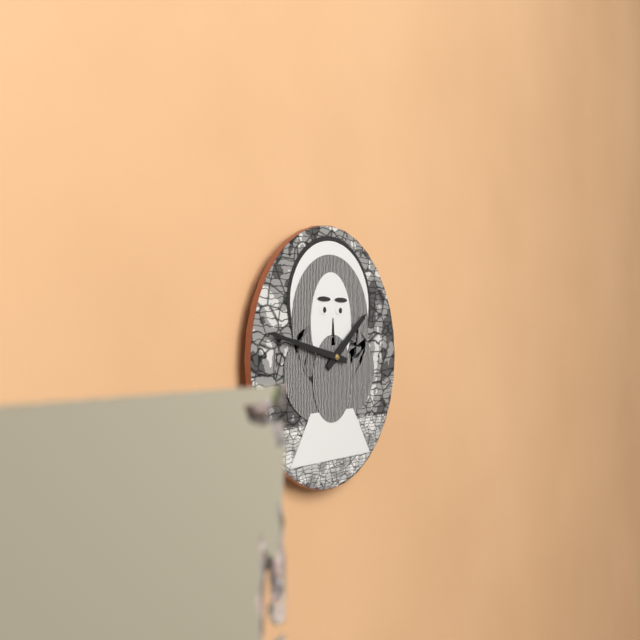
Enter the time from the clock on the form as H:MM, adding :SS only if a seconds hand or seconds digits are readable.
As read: 1:47
